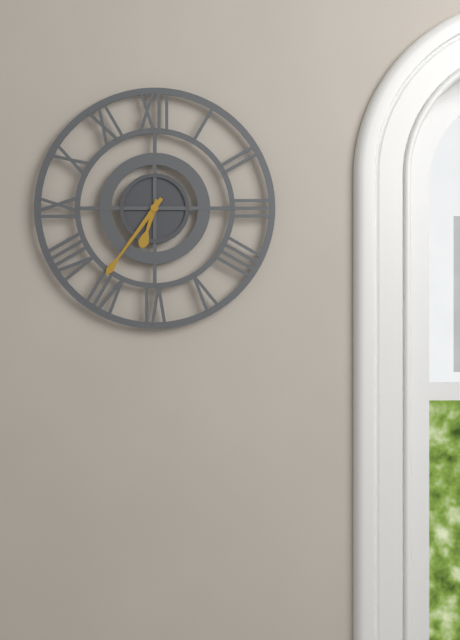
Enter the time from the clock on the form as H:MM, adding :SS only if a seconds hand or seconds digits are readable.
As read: 6:36
